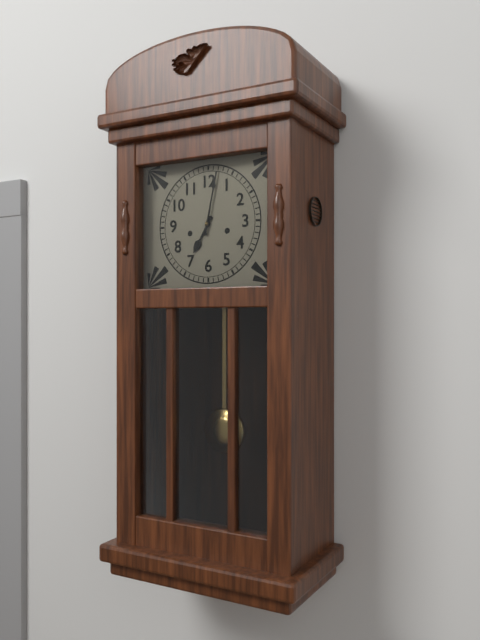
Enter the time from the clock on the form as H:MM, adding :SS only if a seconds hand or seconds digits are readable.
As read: 7:02
